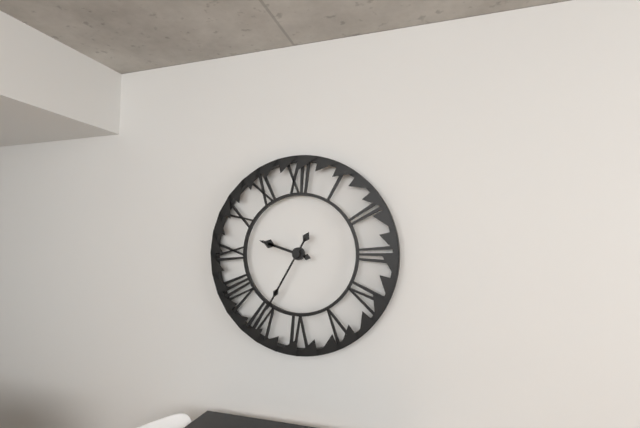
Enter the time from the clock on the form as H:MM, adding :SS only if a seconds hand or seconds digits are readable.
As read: 9:35
